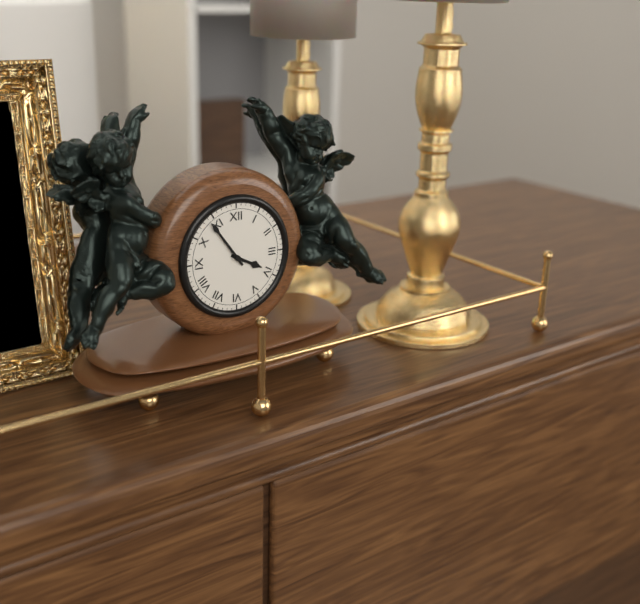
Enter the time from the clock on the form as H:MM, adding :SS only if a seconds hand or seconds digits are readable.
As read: 3:54
